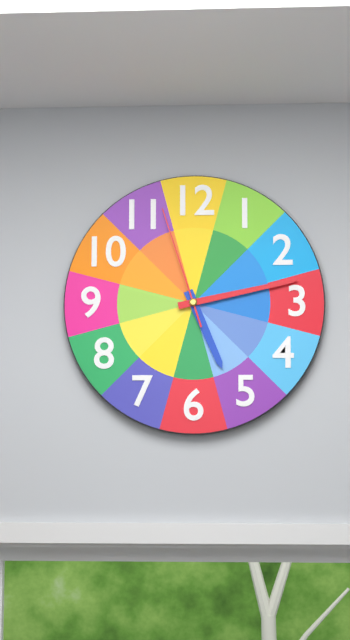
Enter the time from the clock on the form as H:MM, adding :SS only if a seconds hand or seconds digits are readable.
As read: 5:13:57
